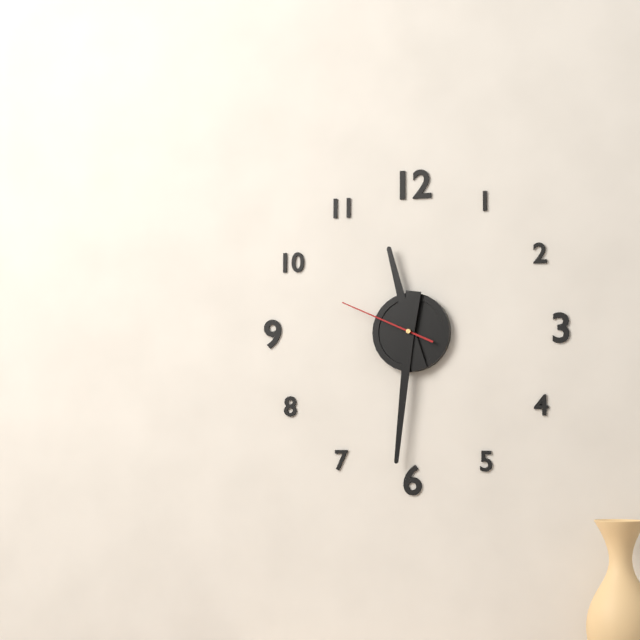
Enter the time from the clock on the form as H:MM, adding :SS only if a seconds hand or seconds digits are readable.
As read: 11:31:49
